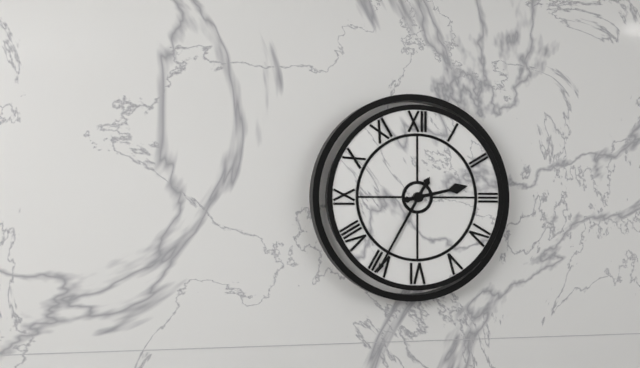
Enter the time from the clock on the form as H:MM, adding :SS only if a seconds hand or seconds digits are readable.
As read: 2:35
